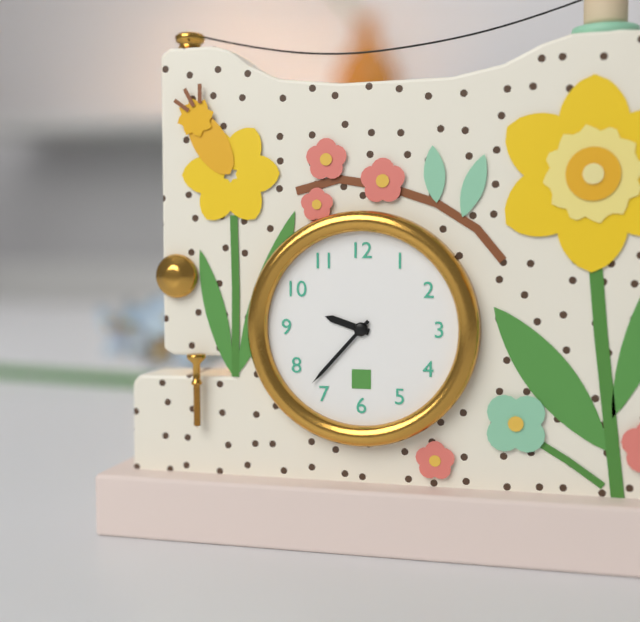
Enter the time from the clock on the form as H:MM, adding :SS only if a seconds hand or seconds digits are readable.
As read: 9:37
